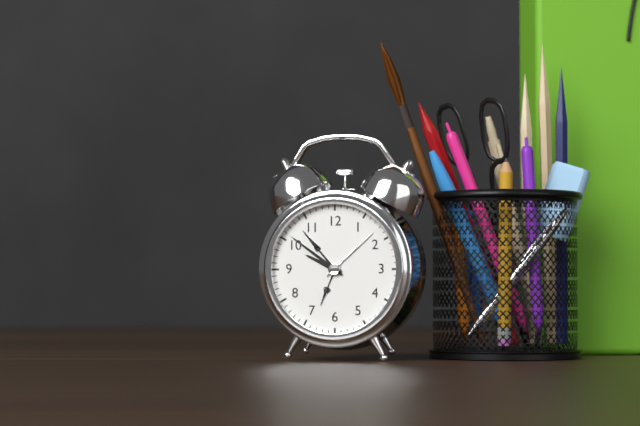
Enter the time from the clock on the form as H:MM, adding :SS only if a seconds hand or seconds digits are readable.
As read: 9:51
